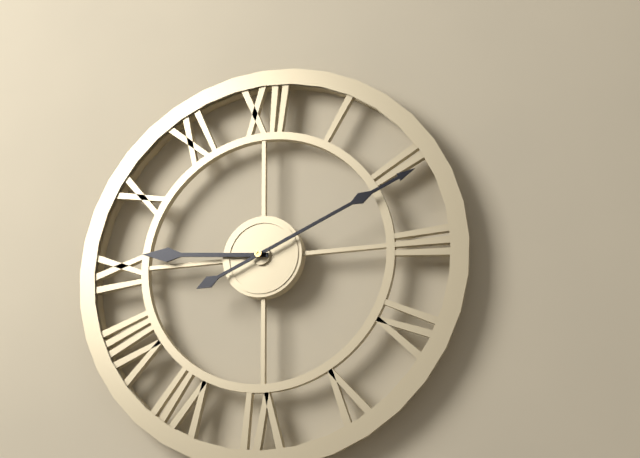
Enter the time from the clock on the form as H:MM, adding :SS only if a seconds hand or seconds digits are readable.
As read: 9:11
